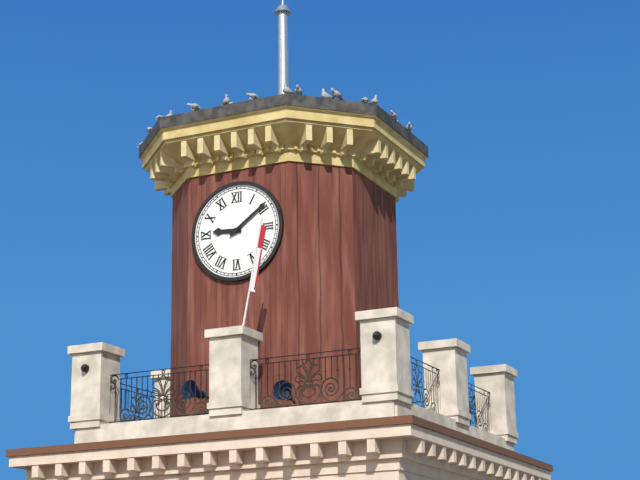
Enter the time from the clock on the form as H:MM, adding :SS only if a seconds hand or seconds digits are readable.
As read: 9:09
